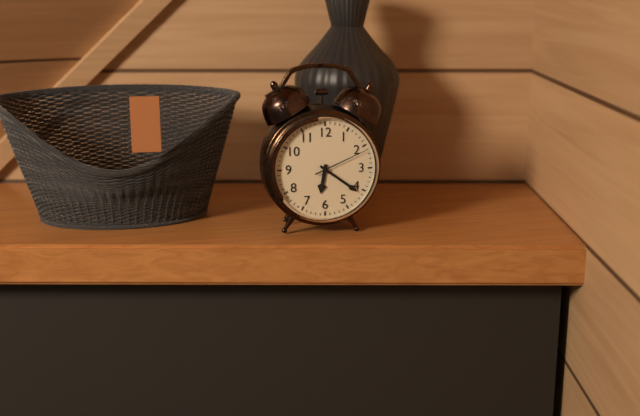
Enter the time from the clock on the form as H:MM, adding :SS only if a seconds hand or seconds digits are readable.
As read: 6:21:11
